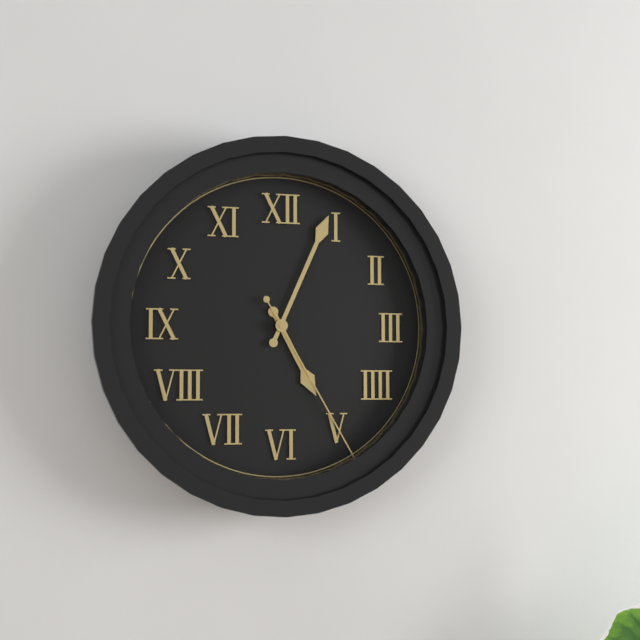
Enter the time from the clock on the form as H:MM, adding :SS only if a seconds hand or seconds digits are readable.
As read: 5:04:25
